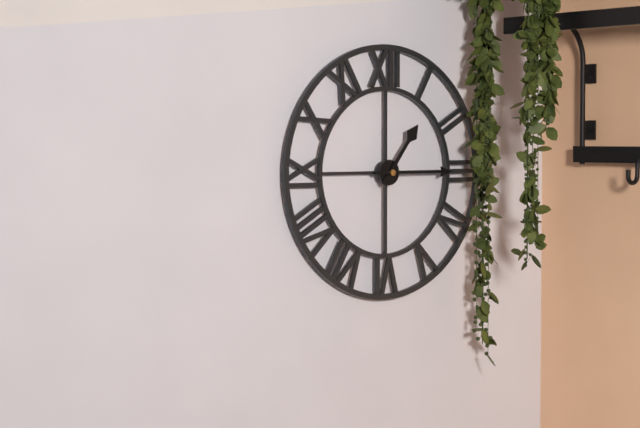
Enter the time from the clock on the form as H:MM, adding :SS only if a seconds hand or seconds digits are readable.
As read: 1:15
